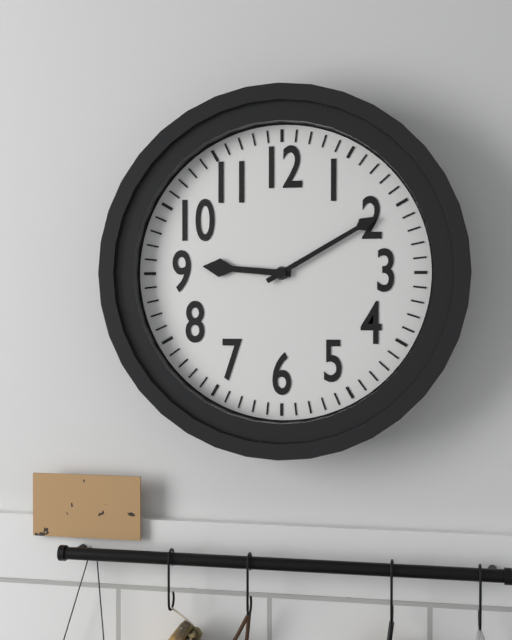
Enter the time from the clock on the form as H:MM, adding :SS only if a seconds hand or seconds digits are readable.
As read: 9:10
